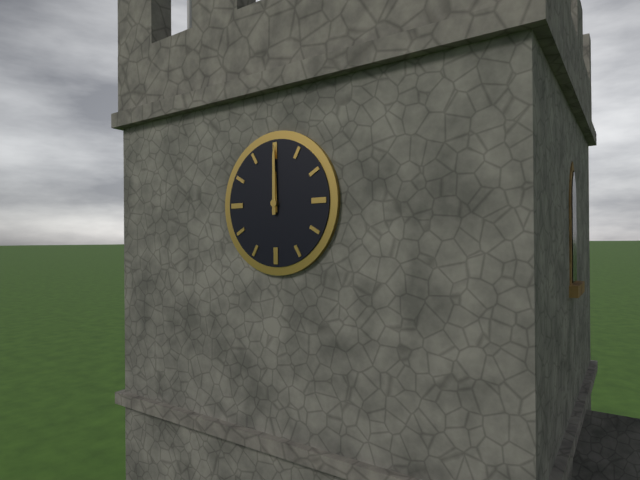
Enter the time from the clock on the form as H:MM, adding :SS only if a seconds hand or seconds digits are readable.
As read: 12:00
